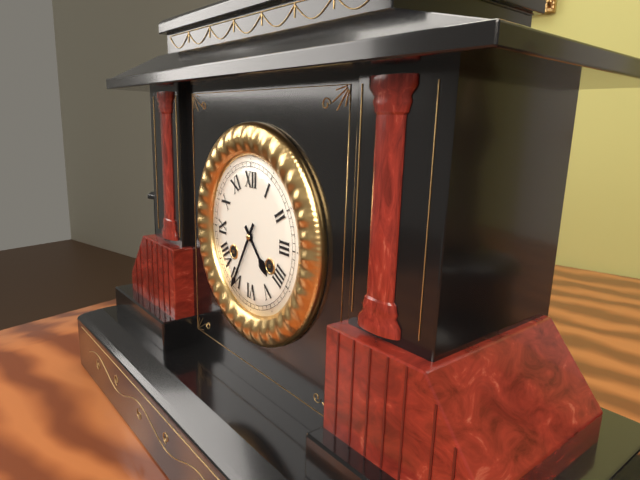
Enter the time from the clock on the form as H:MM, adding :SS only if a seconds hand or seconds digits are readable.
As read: 4:35
